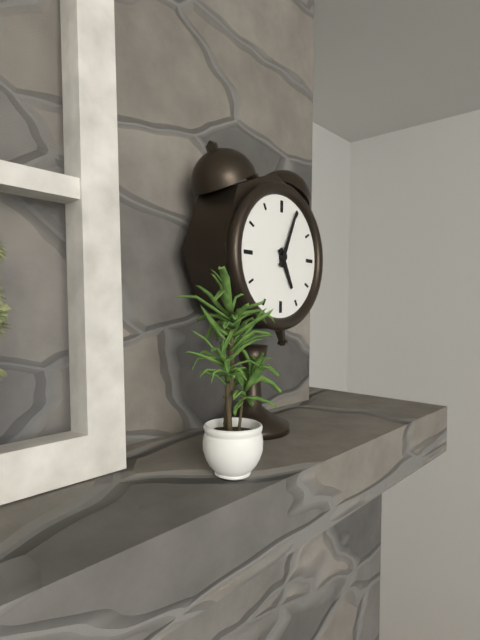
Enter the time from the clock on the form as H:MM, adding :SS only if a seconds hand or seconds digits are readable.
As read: 5:04
